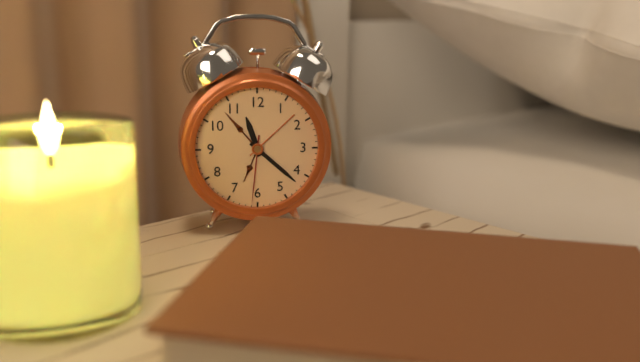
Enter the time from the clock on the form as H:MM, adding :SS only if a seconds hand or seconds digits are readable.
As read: 11:22:31
